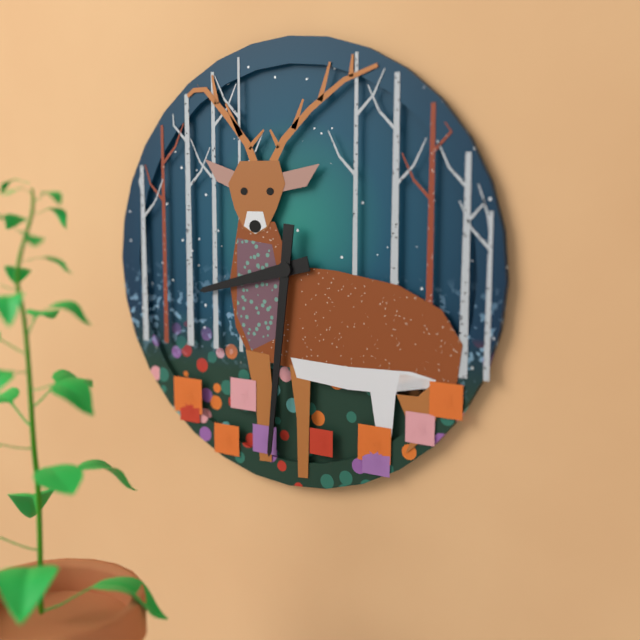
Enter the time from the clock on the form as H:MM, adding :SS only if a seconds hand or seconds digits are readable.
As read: 8:31
